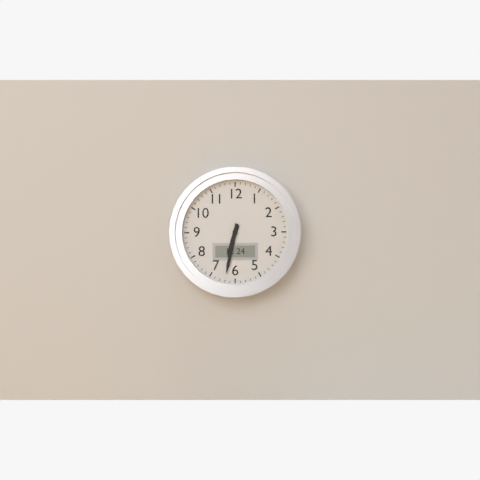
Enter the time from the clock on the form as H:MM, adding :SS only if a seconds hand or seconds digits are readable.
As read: 6:32
